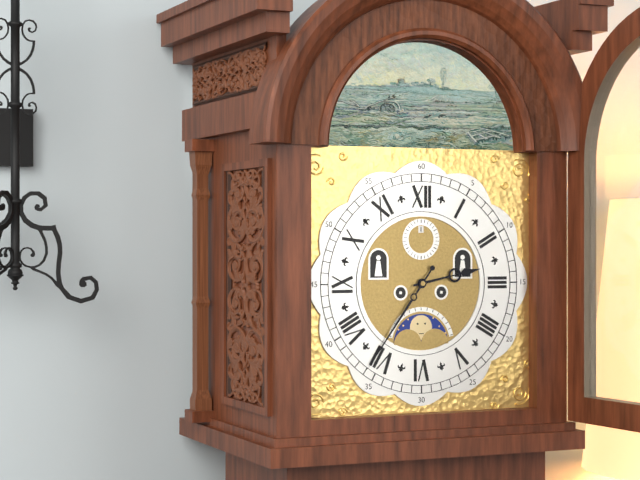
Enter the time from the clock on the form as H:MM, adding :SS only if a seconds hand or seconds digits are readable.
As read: 2:36
